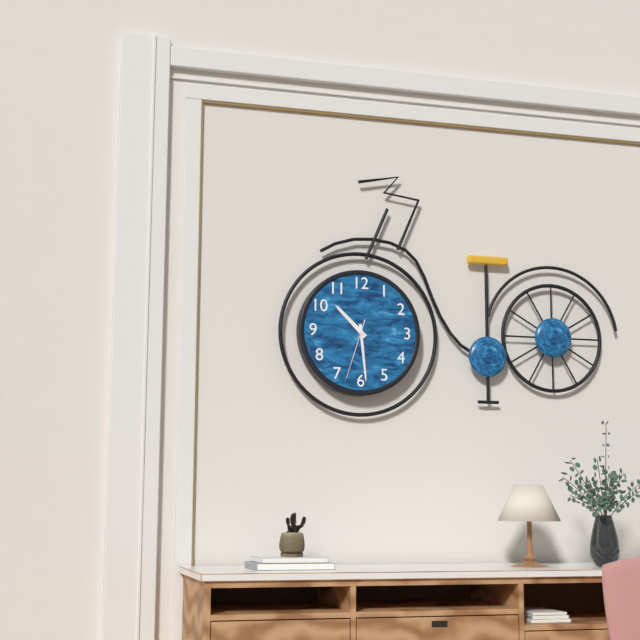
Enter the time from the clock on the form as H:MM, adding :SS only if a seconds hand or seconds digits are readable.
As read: 10:29:33
